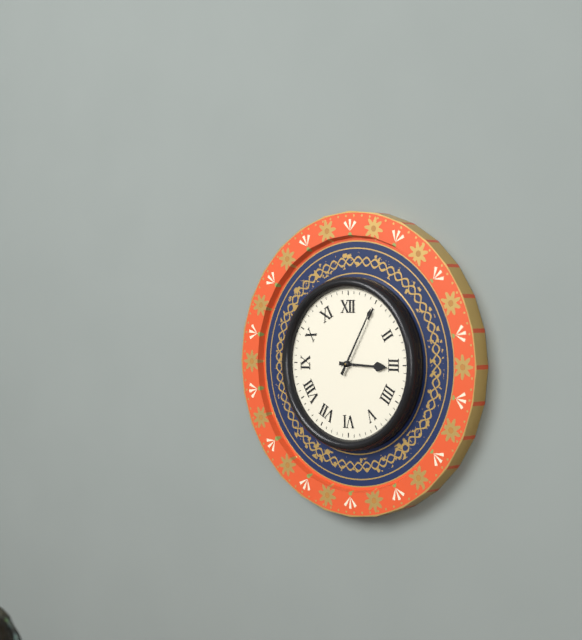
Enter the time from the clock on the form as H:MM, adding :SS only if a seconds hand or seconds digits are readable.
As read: 3:05
